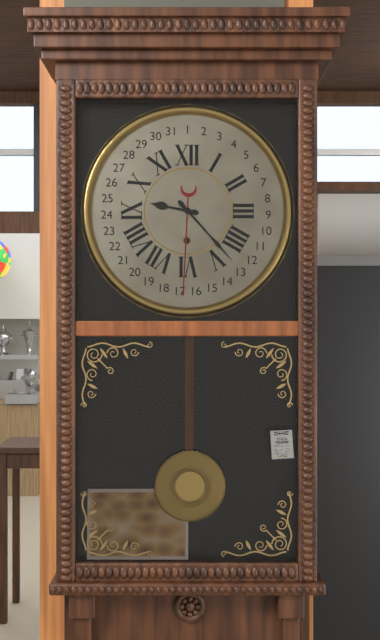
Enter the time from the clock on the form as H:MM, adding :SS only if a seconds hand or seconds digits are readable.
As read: 9:23
